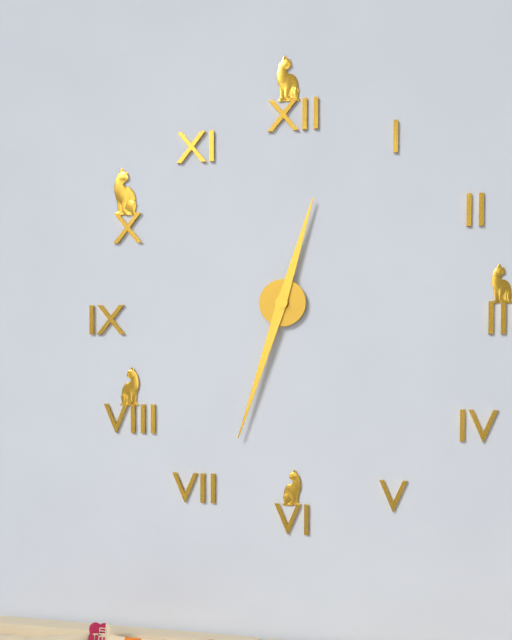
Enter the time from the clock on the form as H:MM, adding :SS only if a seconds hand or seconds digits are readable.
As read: 12:33
